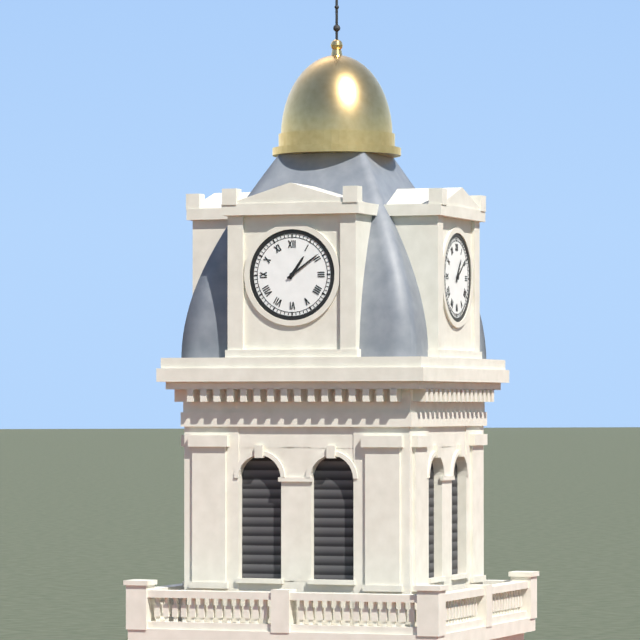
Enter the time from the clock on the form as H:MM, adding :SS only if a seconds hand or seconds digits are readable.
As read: 1:09
